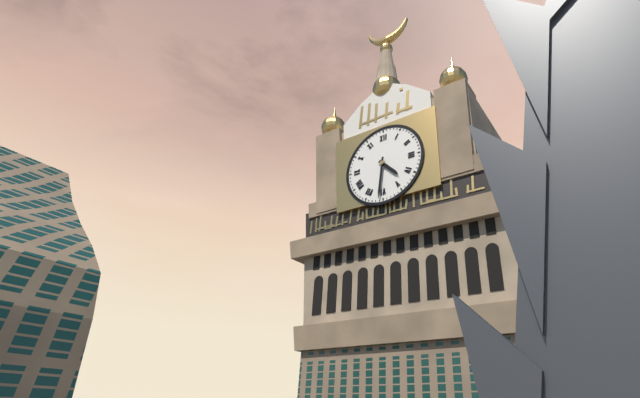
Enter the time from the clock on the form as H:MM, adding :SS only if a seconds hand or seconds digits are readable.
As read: 4:31
